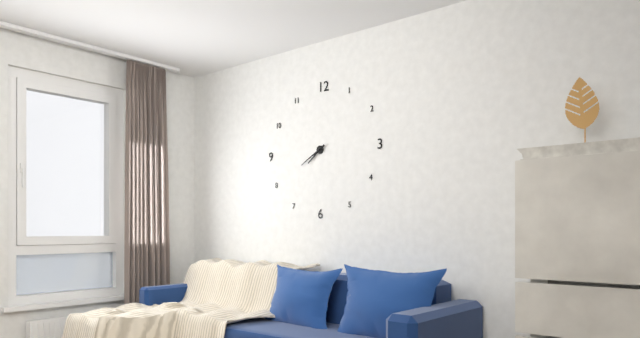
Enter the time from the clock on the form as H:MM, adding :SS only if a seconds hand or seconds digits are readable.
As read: 7:40
